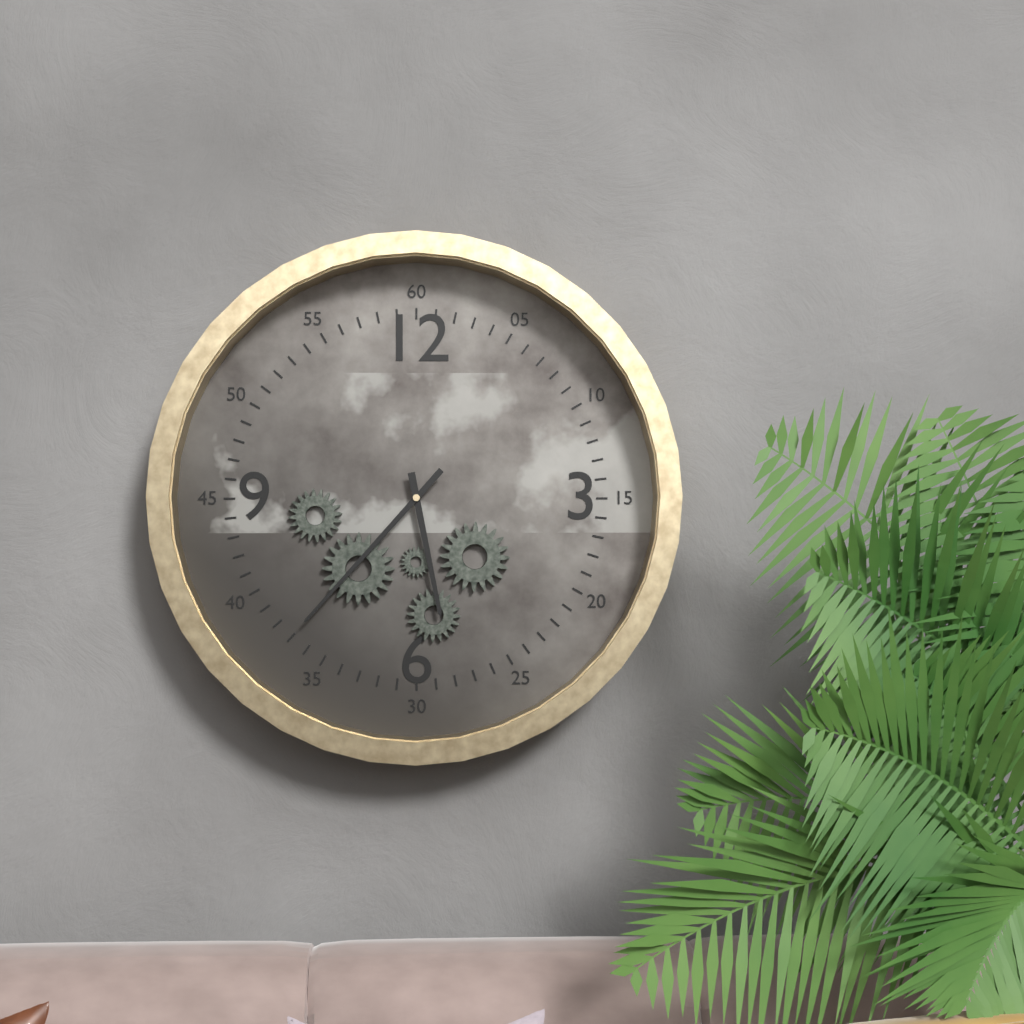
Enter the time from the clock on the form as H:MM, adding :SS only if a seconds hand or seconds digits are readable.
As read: 5:37
